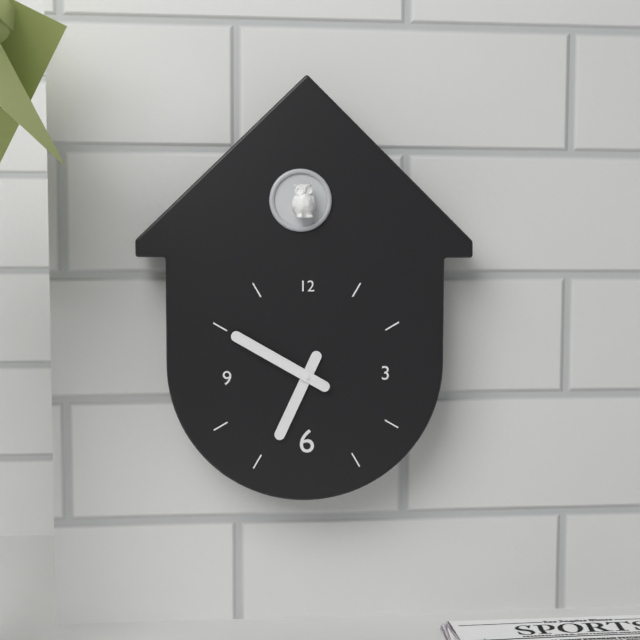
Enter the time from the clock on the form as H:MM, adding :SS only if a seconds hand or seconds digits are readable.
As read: 6:50
